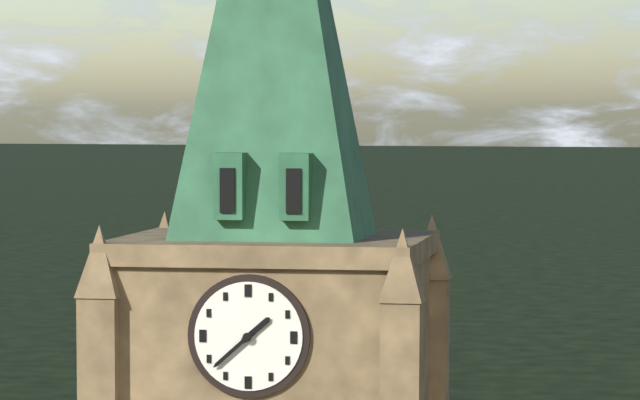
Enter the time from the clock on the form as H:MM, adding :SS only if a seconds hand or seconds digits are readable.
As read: 1:38
